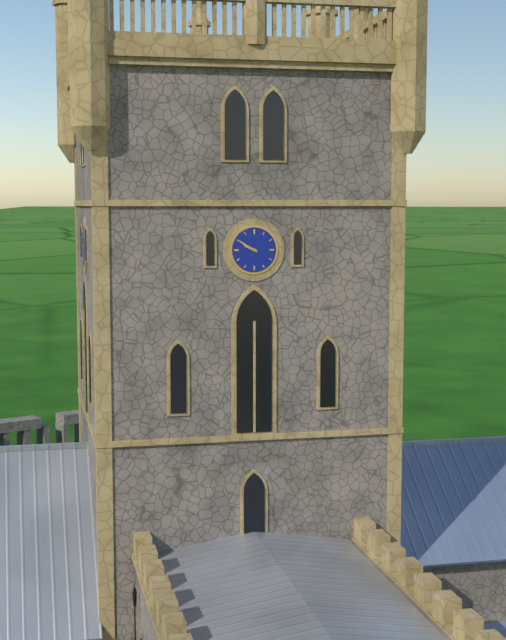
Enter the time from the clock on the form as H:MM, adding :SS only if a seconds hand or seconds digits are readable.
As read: 9:50
